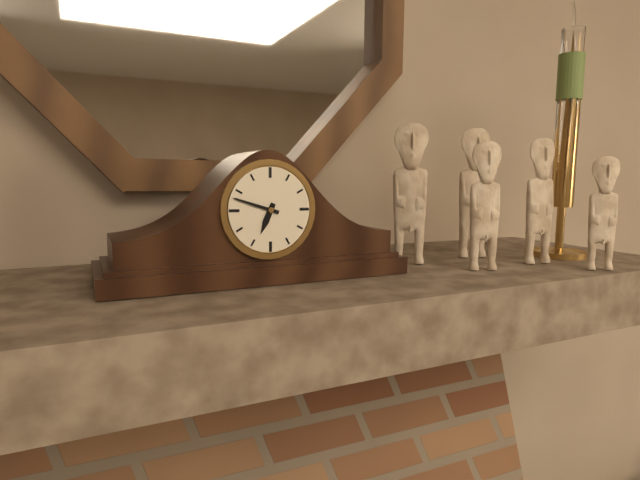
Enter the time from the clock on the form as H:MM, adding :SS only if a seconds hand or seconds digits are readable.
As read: 6:48
